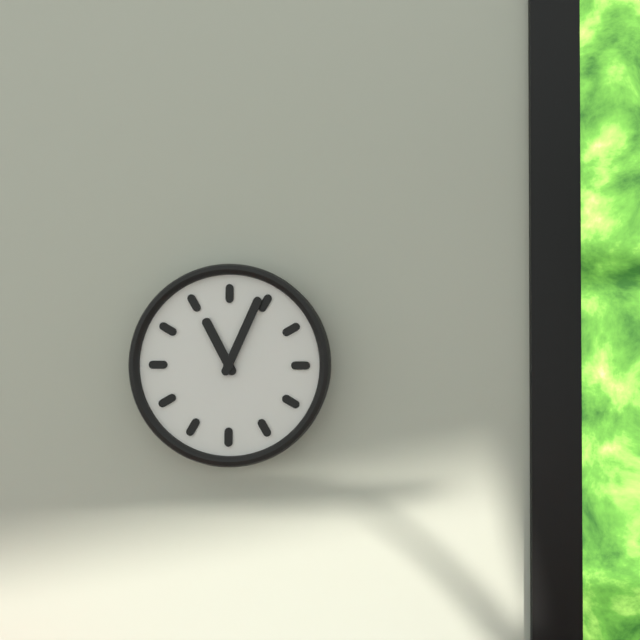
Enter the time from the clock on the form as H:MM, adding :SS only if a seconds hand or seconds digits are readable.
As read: 11:04
